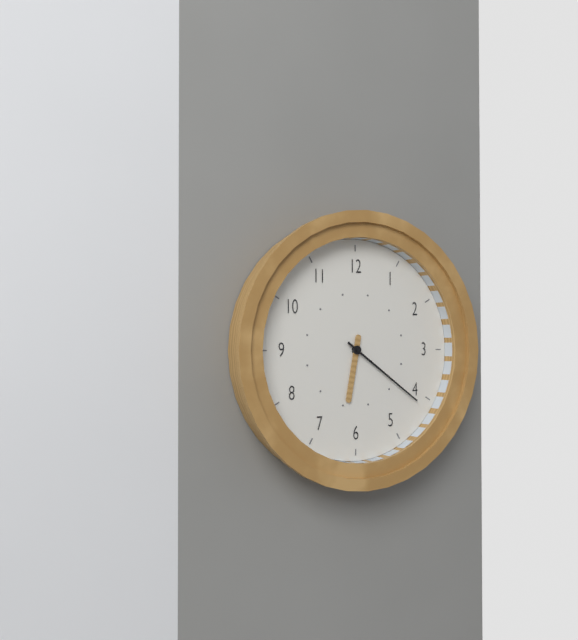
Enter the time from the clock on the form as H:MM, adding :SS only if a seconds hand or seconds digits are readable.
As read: 6:21
